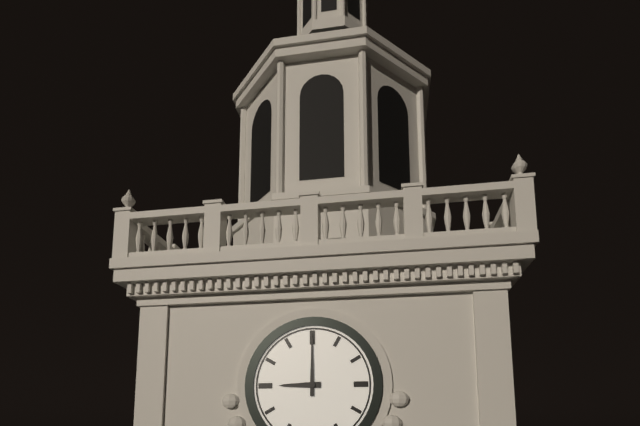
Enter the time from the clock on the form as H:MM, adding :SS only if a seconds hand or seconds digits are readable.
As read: 9:00
